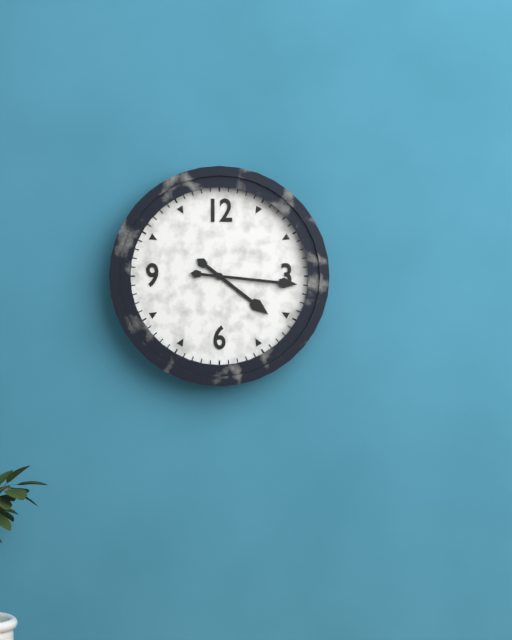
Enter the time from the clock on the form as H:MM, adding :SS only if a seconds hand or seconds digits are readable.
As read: 4:16
